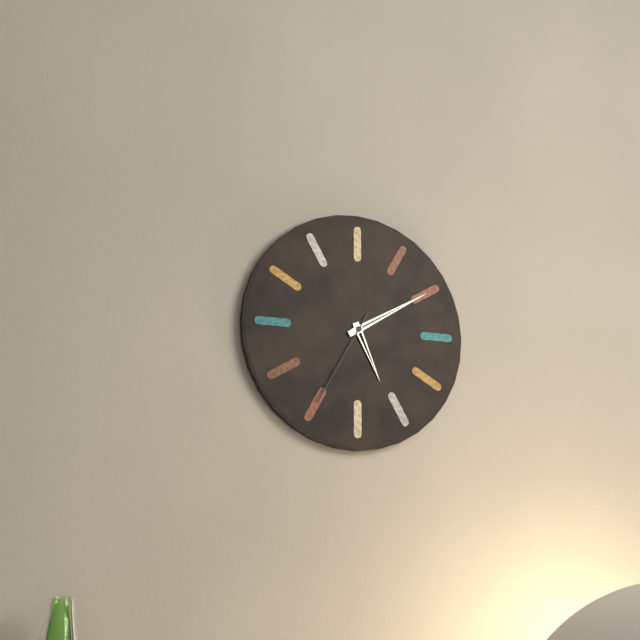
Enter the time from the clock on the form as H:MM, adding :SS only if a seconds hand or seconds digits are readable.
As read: 5:10:35
